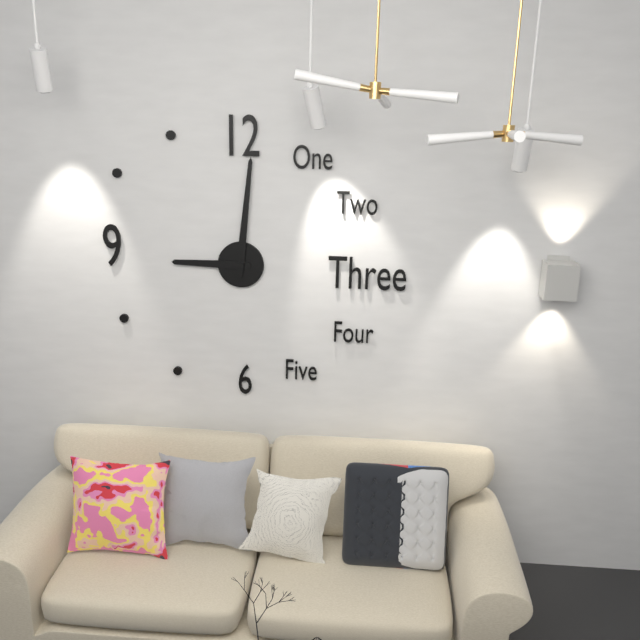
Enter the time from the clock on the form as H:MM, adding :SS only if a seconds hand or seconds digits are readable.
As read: 9:01
